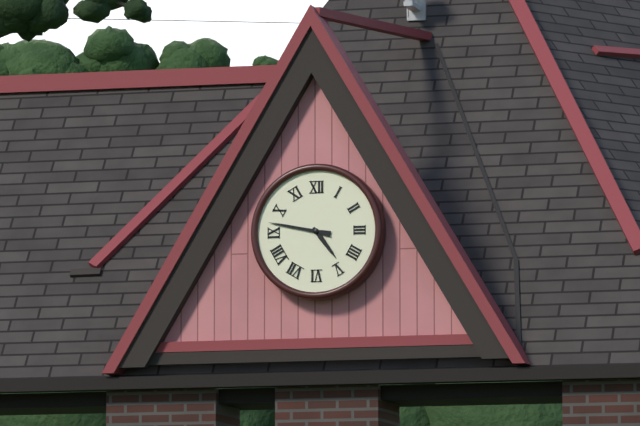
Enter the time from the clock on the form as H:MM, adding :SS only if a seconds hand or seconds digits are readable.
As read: 4:47
